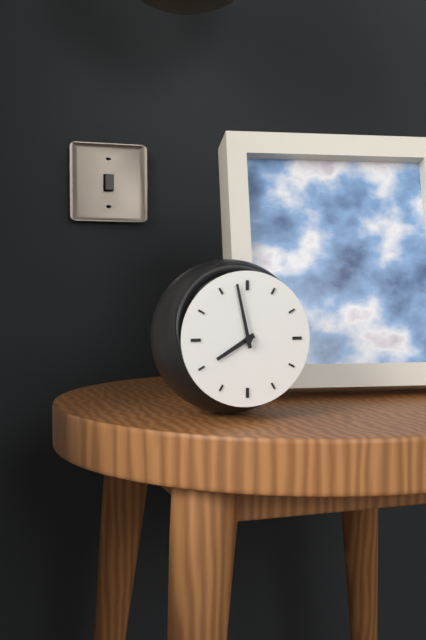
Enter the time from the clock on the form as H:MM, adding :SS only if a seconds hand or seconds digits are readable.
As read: 7:58
